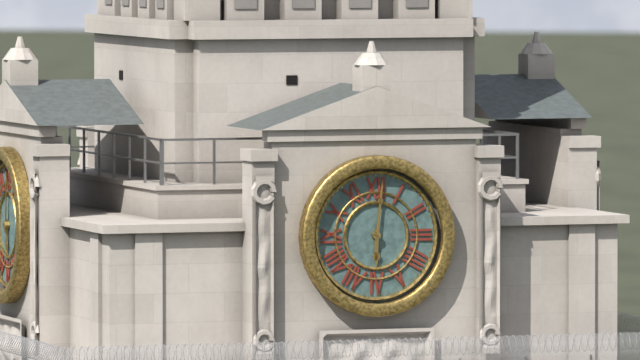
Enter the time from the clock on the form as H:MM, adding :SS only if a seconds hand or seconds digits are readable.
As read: 6:01
